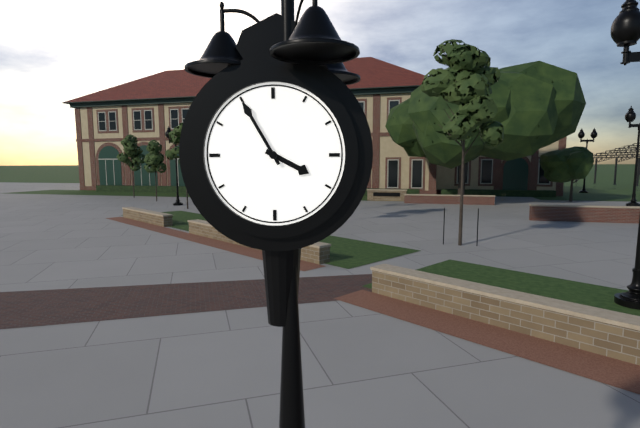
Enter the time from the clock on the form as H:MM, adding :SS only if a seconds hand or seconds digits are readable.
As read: 3:55
